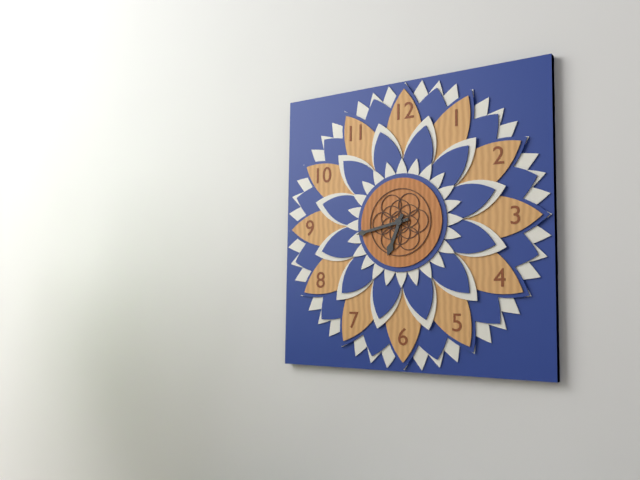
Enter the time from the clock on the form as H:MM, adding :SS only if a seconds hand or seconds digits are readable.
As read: 6:43
